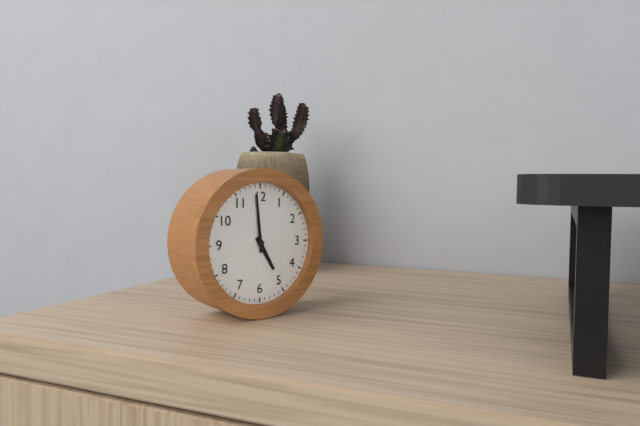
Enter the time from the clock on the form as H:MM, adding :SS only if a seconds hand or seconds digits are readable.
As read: 4:59
